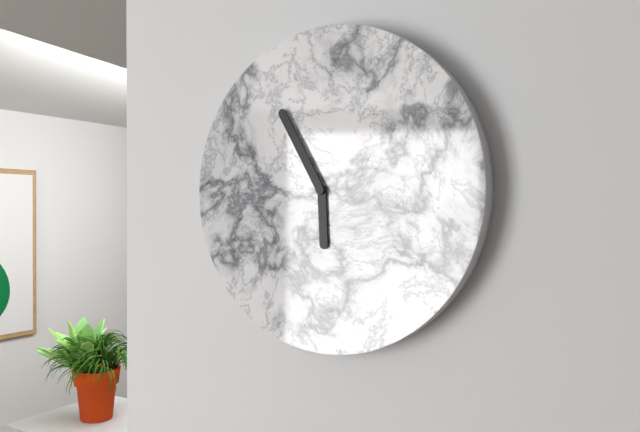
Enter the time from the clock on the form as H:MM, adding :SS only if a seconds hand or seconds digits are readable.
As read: 5:55
